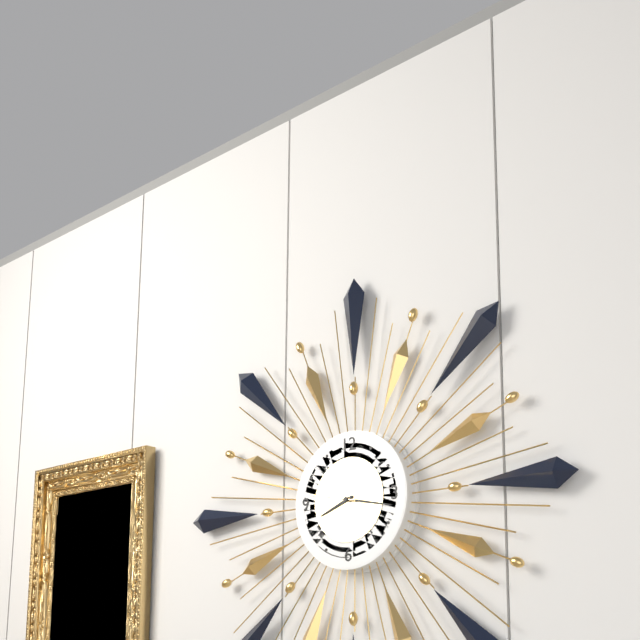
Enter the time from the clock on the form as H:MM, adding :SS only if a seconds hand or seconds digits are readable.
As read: 8:17:47
